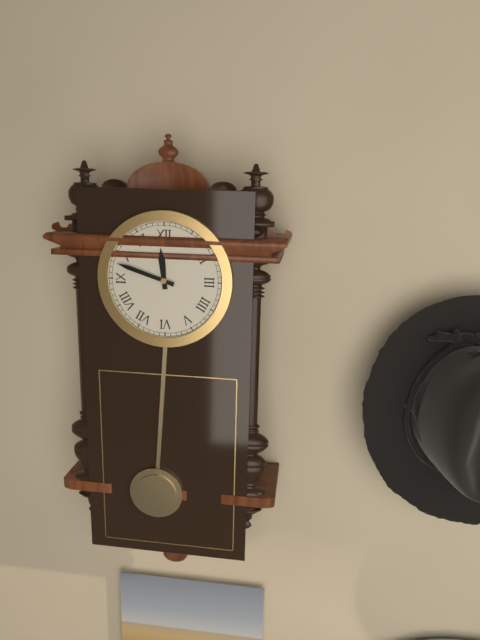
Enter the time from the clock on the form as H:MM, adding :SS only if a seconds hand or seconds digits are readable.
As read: 11:48
